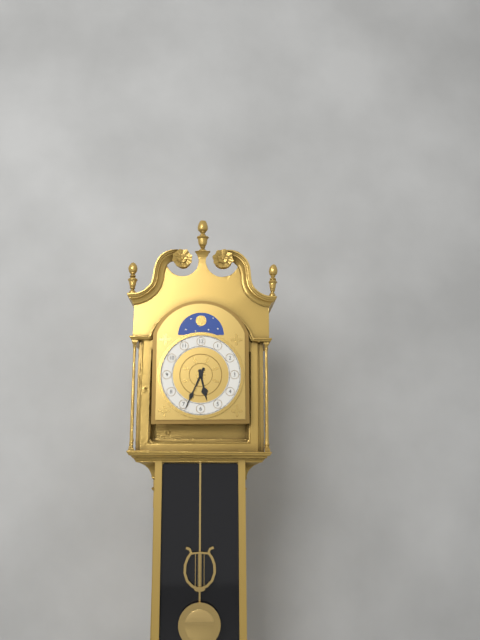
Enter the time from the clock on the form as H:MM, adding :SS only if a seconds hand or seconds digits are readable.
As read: 5:34
